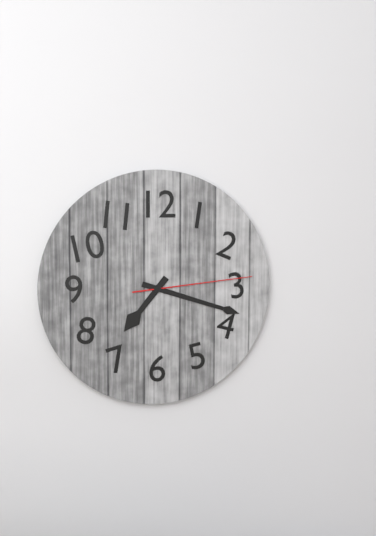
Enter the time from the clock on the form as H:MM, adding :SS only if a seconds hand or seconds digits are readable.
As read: 7:18:14
